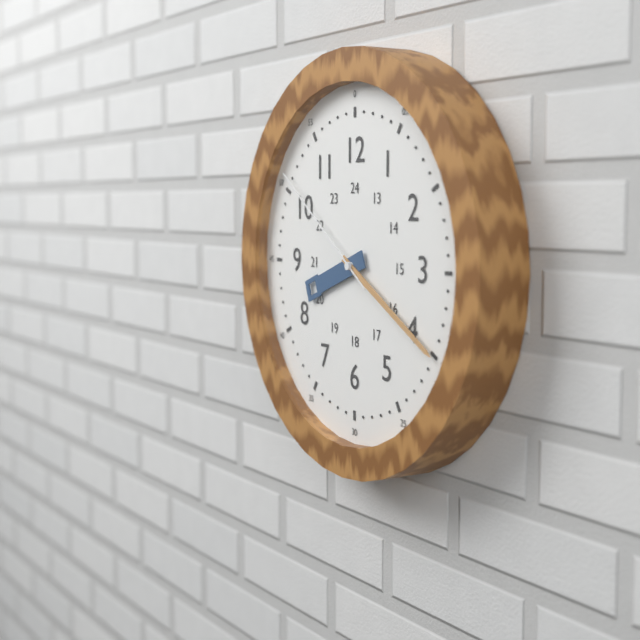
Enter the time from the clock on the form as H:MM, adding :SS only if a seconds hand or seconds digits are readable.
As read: 8:20:51
